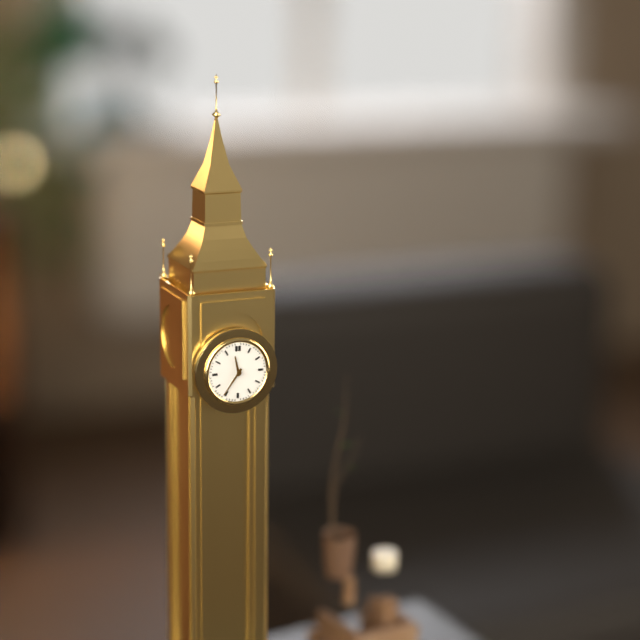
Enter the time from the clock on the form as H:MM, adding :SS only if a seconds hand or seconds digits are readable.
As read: 11:36
